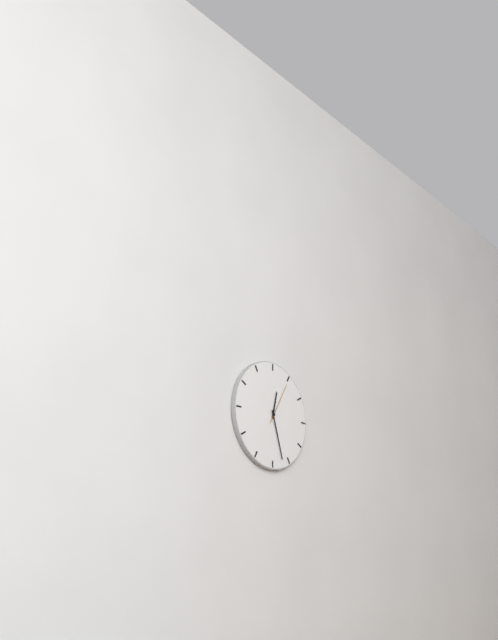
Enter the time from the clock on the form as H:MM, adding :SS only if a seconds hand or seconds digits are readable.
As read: 12:27
